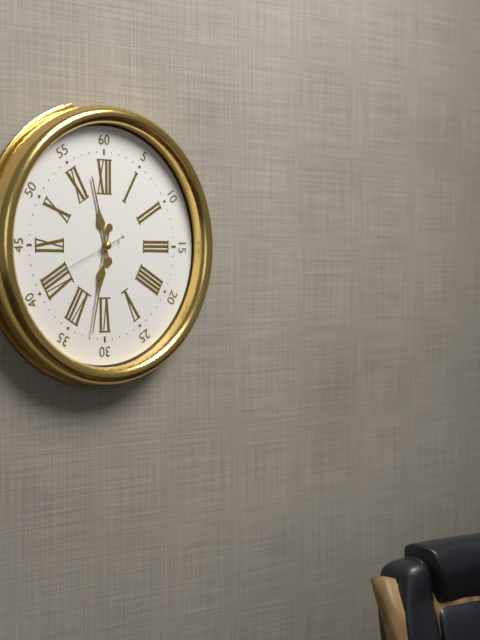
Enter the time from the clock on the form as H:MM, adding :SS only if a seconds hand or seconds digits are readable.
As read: 11:32:41
